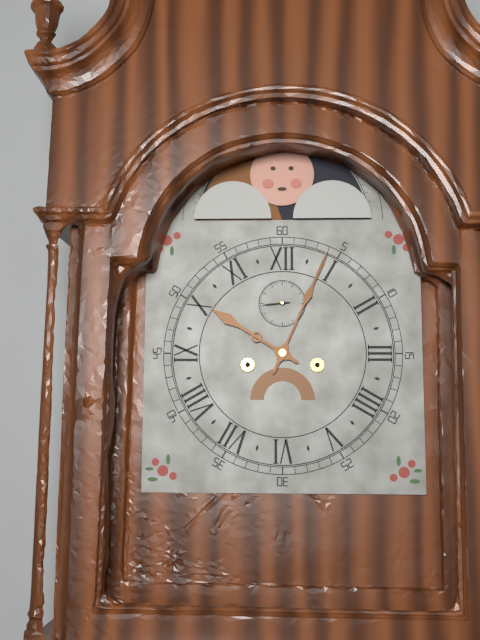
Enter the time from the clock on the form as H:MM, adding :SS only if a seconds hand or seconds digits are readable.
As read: 10:04
